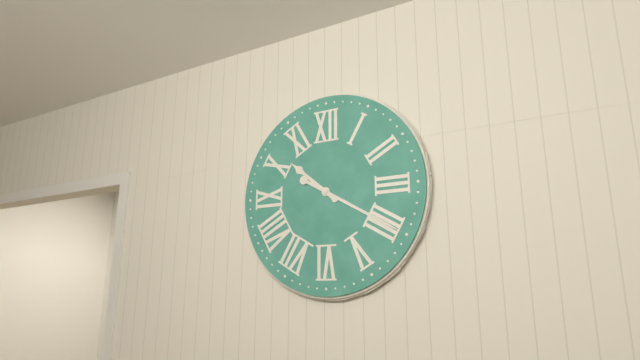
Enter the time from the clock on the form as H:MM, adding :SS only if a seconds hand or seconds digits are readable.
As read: 10:20
